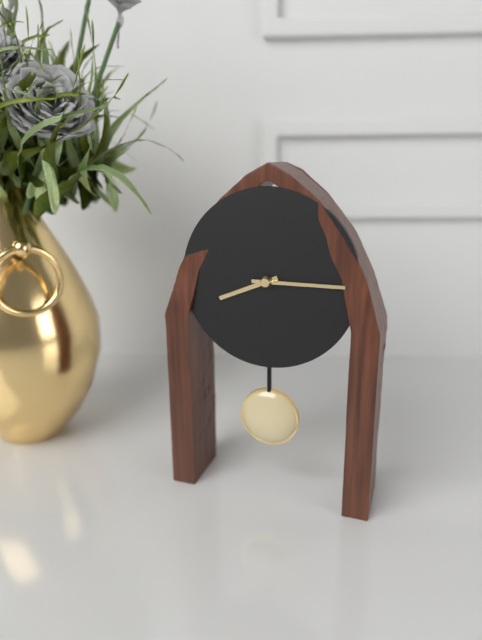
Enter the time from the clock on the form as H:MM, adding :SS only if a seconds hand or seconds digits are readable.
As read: 8:15
